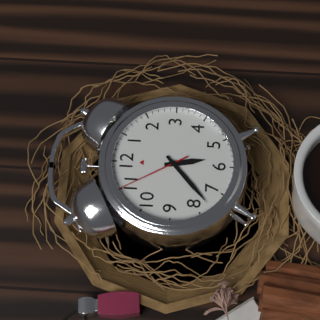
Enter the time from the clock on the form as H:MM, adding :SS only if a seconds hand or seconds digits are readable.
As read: 5:38:55
